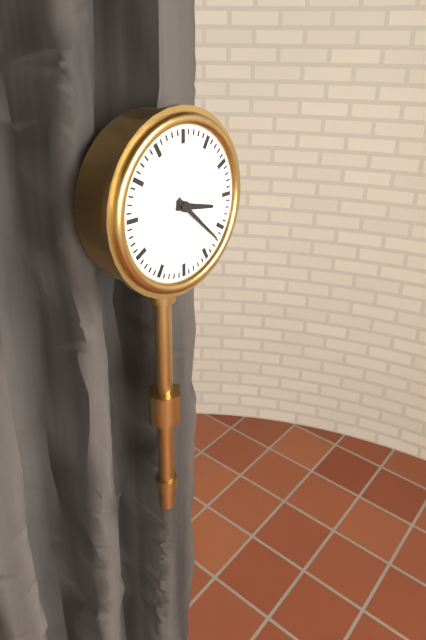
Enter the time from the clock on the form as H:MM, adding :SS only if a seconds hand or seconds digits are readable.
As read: 3:22
